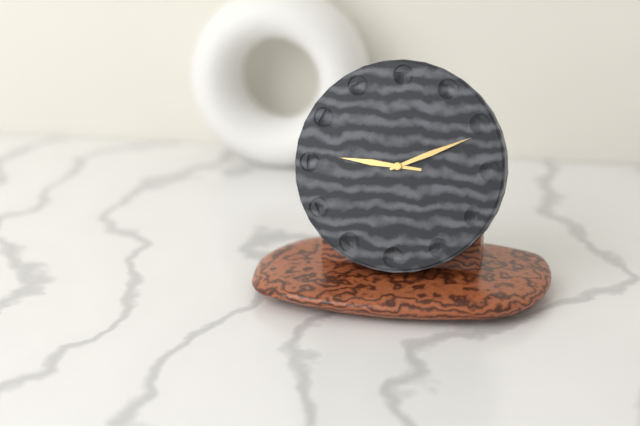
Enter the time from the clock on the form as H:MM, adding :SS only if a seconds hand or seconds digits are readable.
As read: 9:11
